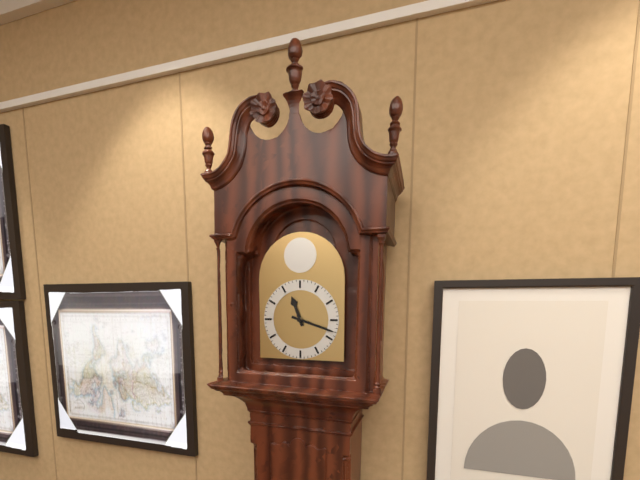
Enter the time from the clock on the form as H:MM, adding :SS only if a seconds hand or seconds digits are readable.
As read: 11:18
